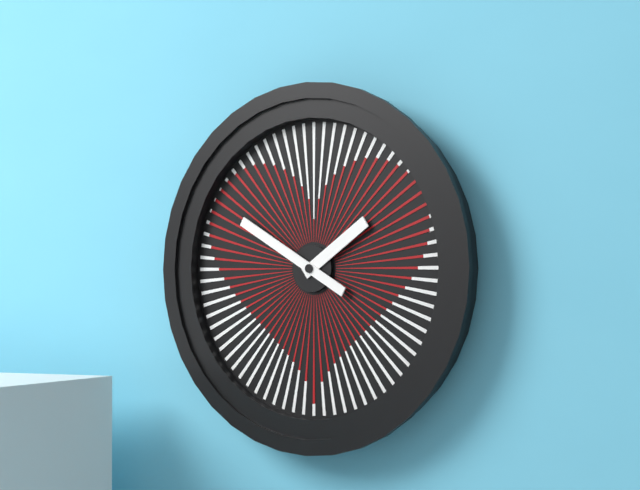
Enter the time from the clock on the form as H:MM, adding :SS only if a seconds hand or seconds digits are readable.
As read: 1:50
